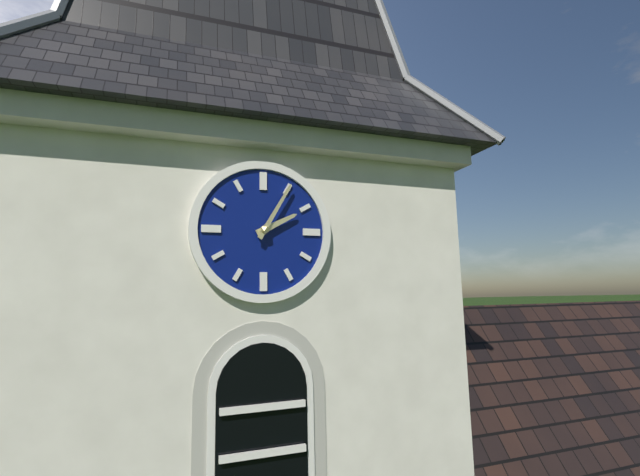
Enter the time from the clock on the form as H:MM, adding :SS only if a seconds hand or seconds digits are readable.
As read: 2:05
